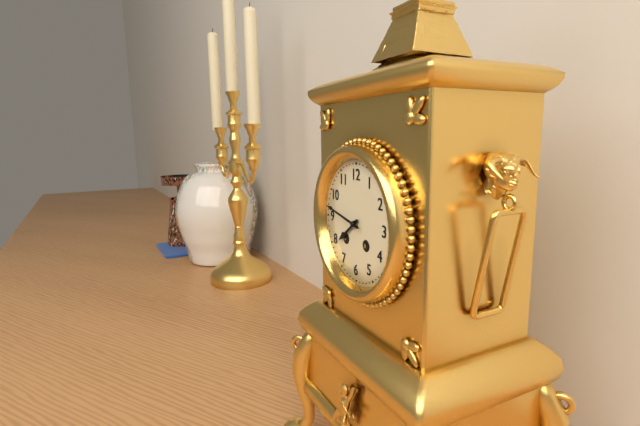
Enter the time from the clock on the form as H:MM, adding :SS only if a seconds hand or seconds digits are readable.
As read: 7:47
